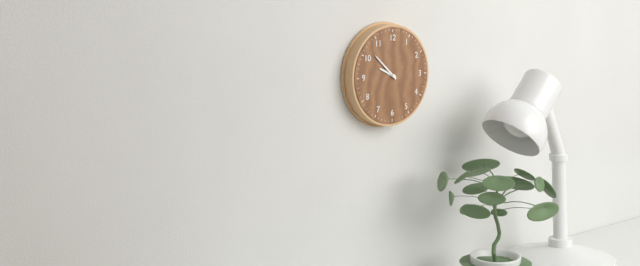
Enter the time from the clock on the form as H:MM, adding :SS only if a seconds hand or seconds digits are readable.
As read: 9:52
